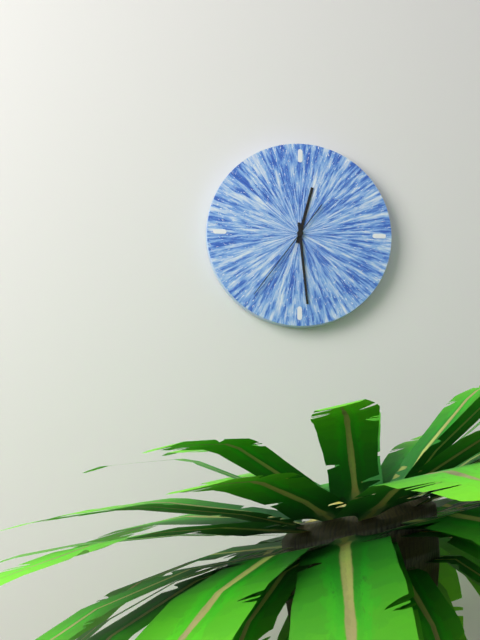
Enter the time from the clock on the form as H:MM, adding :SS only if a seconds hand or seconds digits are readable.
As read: 12:29:36
